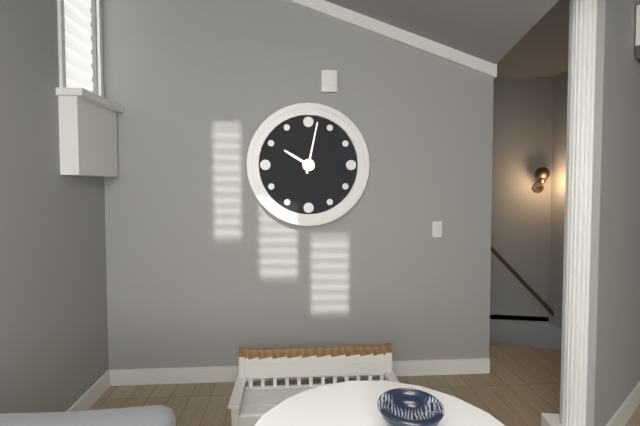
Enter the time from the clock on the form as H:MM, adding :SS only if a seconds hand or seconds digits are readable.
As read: 10:02
